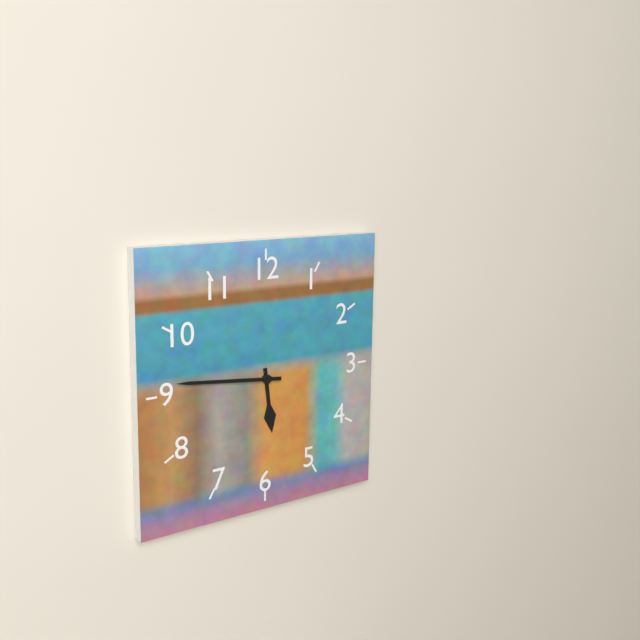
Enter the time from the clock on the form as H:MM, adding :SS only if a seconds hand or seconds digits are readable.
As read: 5:46
